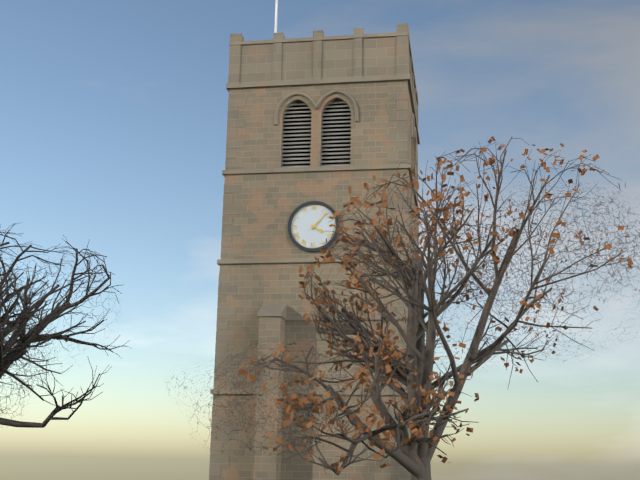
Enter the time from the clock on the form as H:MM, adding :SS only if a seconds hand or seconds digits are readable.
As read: 4:07
